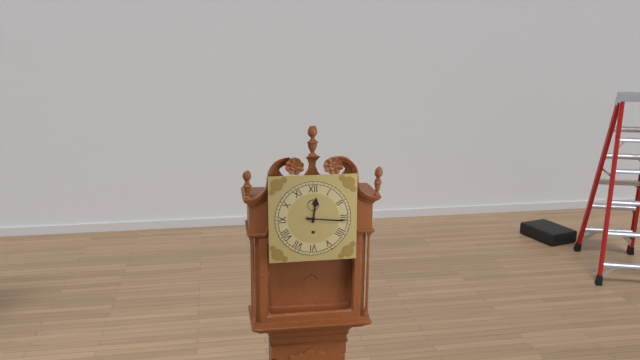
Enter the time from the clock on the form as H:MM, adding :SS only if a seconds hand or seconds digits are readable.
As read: 12:16
